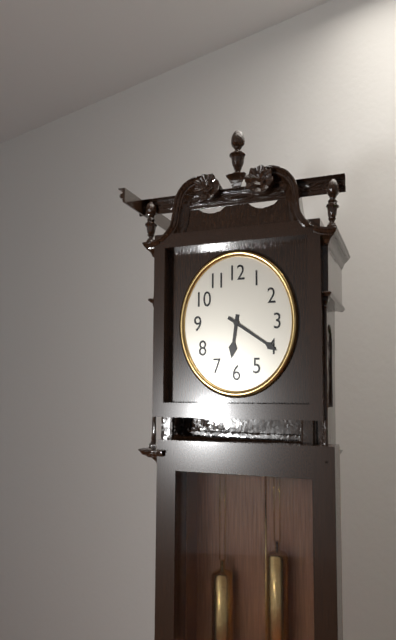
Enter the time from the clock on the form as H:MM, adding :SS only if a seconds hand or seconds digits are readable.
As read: 6:20
